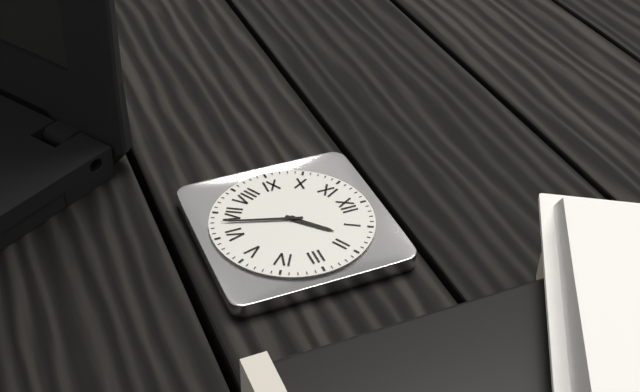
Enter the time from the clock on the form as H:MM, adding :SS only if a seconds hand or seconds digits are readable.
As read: 1:33
